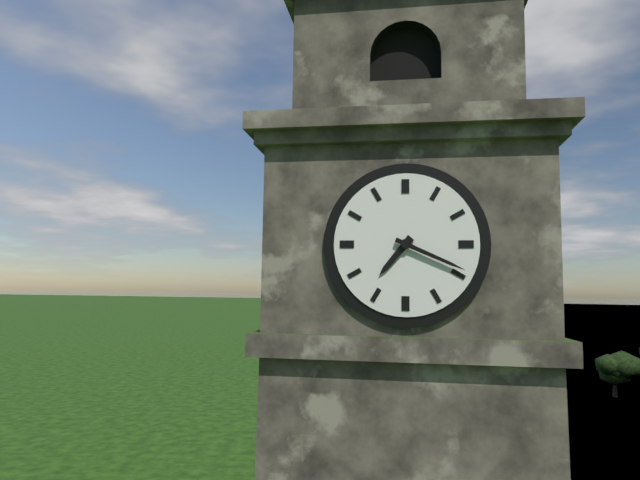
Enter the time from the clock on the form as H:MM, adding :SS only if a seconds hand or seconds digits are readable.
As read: 7:19
